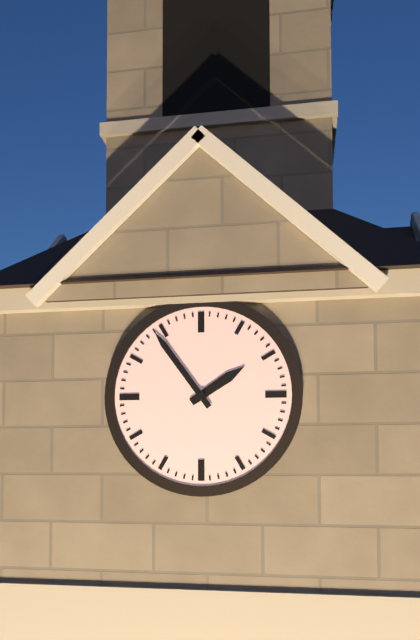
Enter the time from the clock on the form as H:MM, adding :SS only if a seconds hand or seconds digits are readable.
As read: 1:54
